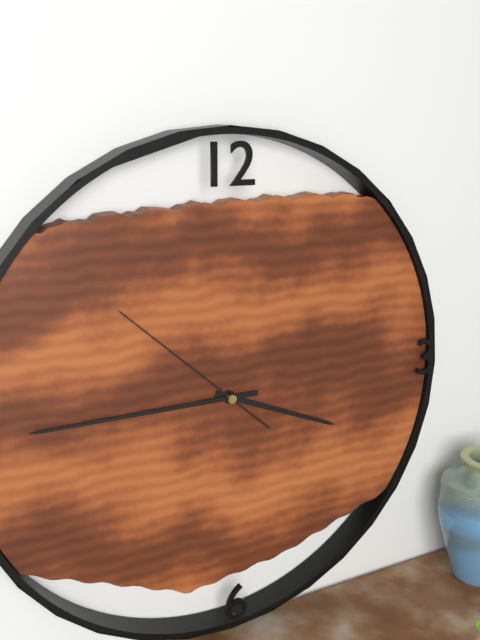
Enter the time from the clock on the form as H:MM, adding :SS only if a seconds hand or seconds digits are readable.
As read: 3:45:52
